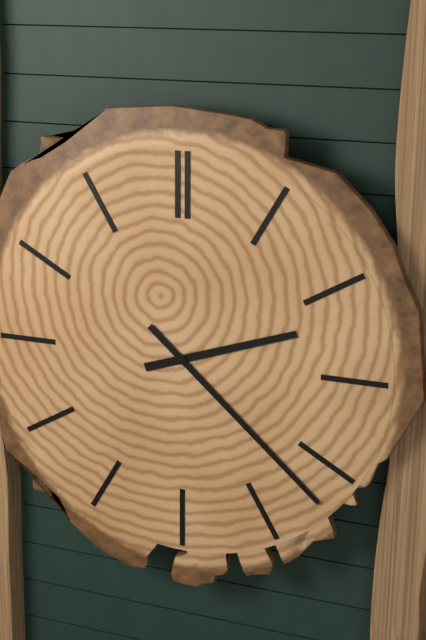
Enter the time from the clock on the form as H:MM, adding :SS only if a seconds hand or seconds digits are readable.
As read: 2:22
